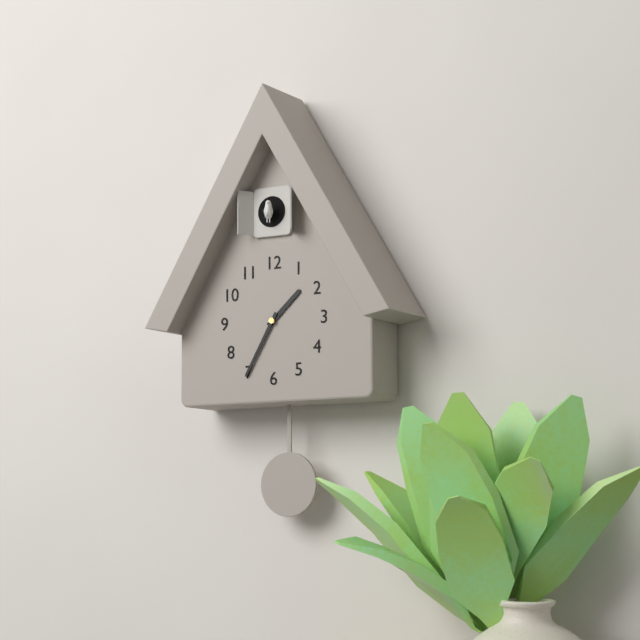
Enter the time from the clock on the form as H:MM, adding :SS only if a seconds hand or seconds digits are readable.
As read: 1:35
